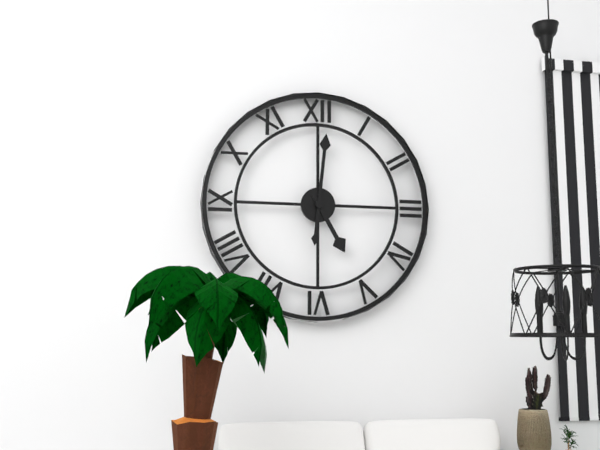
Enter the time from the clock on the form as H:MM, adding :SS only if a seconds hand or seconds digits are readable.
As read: 5:01
